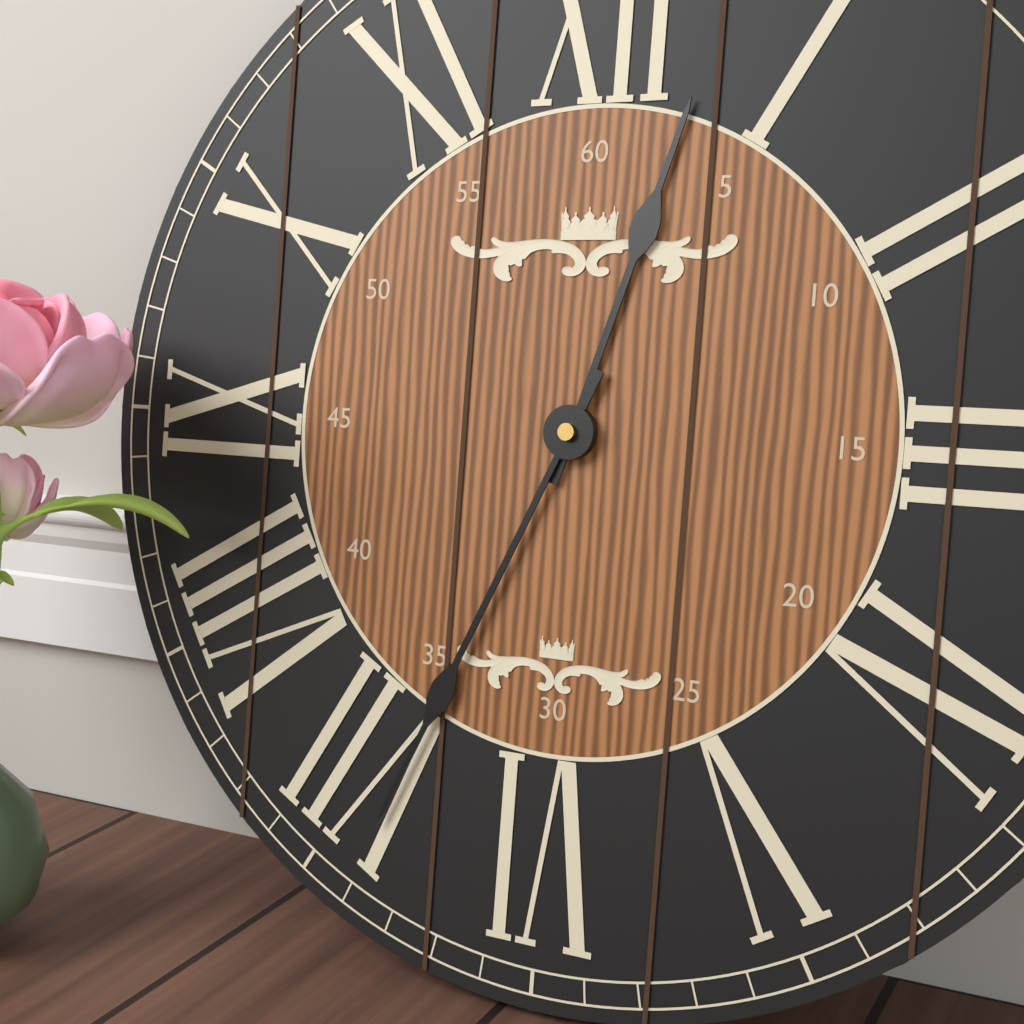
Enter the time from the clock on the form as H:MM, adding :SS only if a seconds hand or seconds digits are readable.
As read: 12:34
